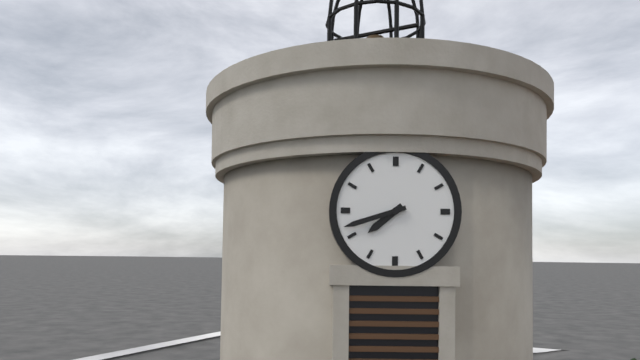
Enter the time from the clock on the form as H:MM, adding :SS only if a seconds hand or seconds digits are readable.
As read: 7:42
